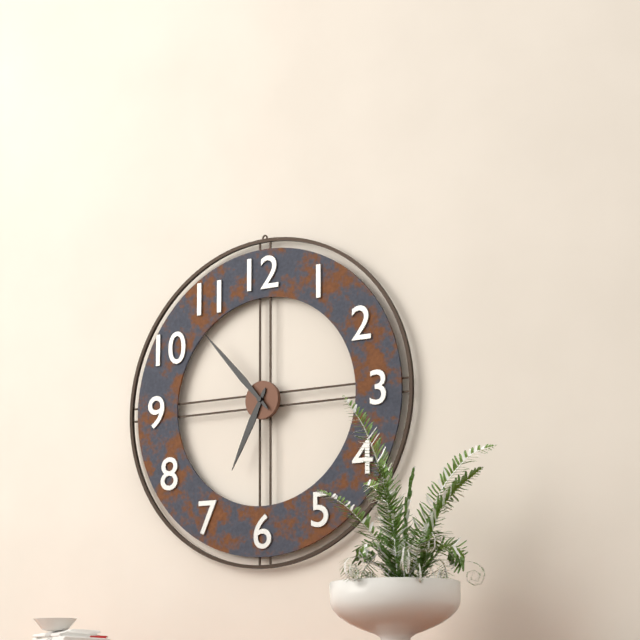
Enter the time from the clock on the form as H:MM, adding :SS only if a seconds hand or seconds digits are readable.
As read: 6:53
